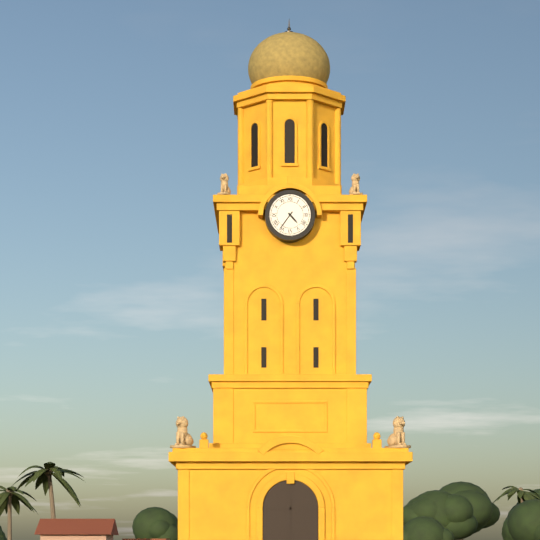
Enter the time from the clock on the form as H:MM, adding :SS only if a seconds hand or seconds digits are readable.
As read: 4:36
